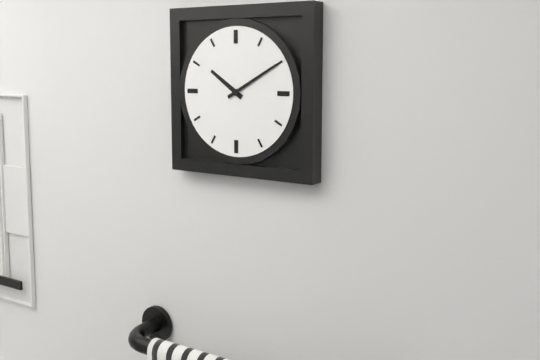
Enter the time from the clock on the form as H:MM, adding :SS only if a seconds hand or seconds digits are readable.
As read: 10:10
